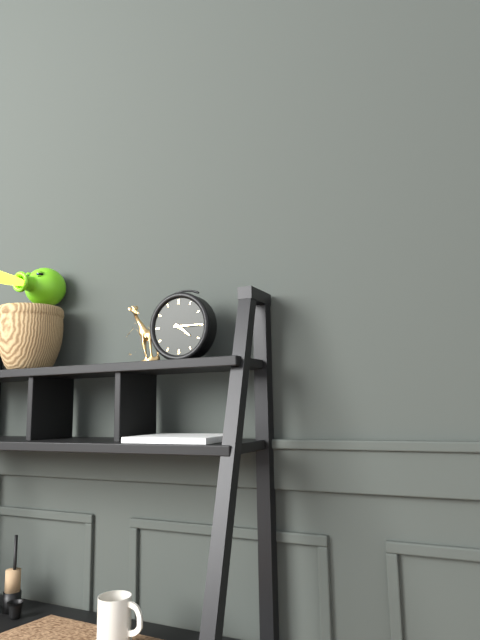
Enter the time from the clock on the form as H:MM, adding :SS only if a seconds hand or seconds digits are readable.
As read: 4:15
